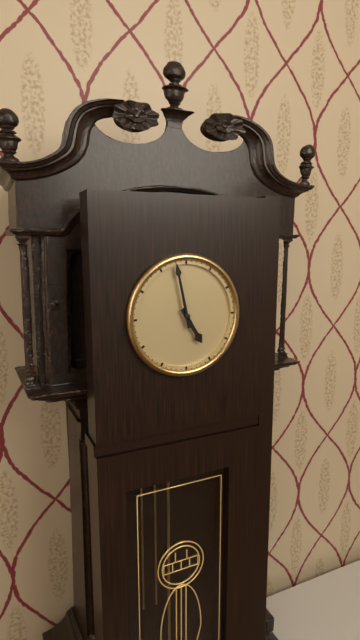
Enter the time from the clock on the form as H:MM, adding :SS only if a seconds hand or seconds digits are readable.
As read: 4:58
